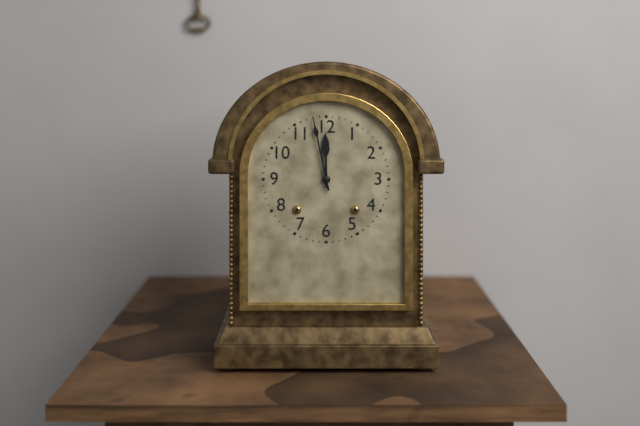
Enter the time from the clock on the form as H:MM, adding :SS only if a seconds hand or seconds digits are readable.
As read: 11:58
